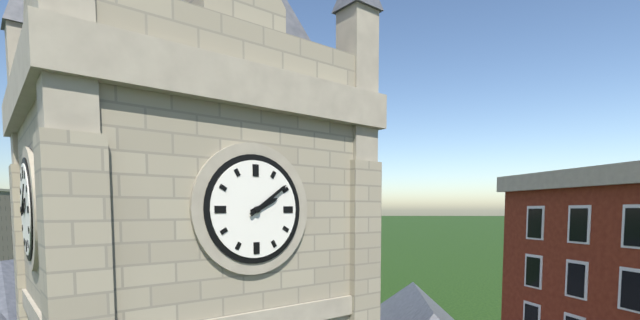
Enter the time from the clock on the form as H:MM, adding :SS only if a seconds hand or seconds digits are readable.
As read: 2:09
